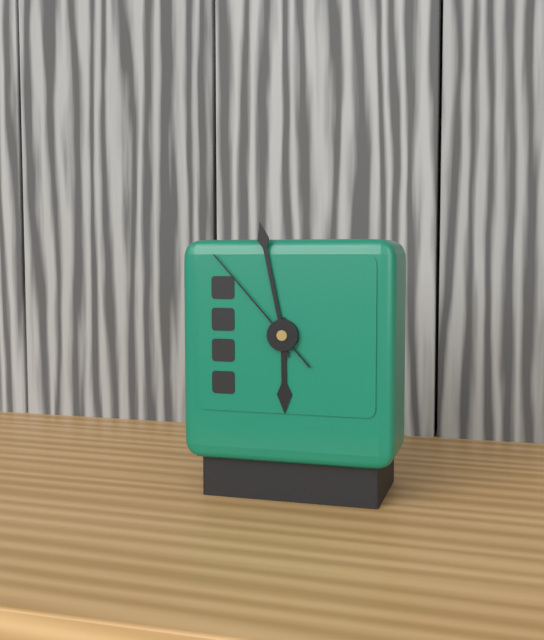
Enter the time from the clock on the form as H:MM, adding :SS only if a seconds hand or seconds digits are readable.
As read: 5:58:53
